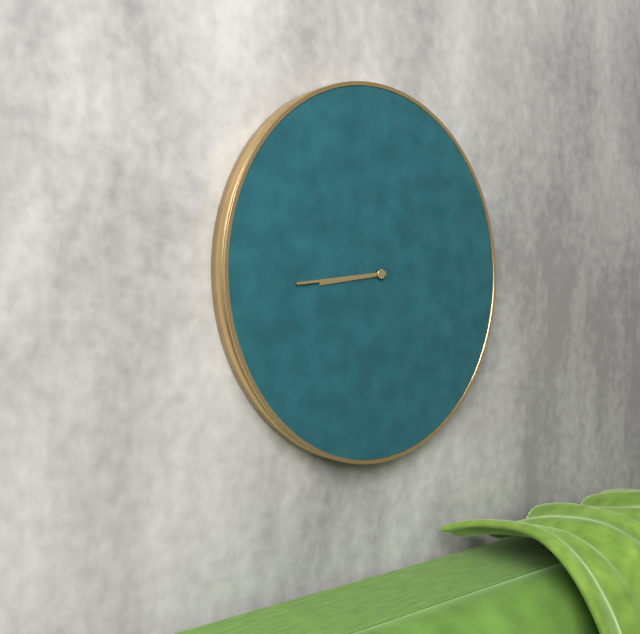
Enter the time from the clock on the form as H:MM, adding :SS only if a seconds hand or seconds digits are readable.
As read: 8:44
